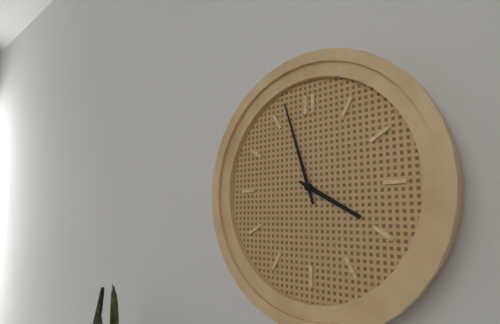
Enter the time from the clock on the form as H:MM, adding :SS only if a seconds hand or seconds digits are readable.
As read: 3:57
